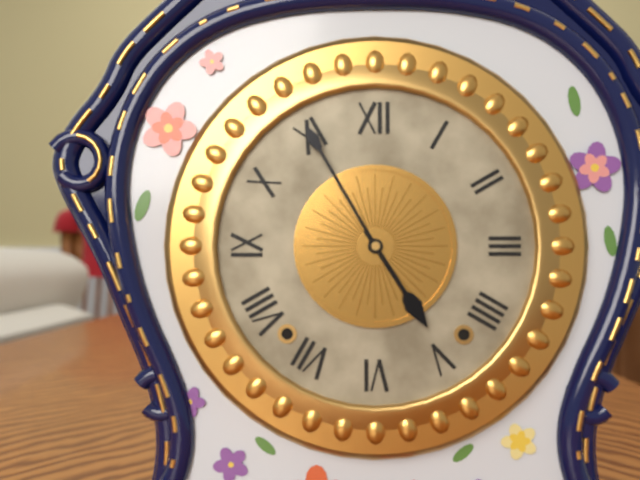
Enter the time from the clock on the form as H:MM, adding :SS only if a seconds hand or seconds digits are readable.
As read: 4:55
